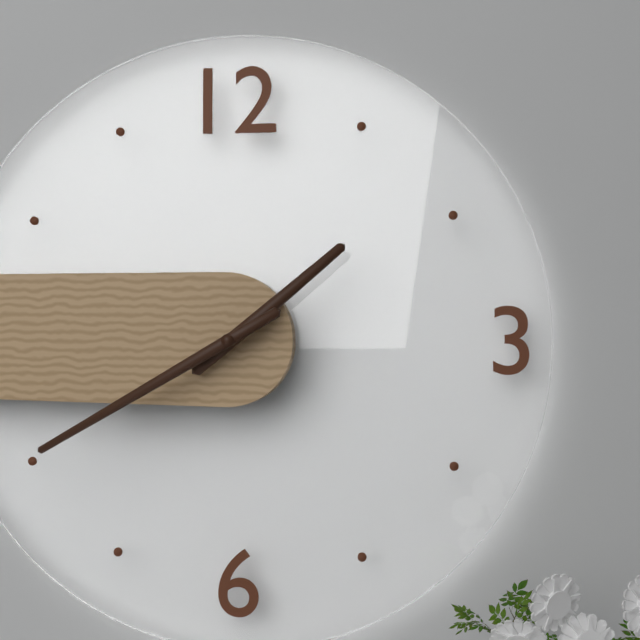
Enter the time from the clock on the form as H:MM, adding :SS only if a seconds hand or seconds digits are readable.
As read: 1:40
